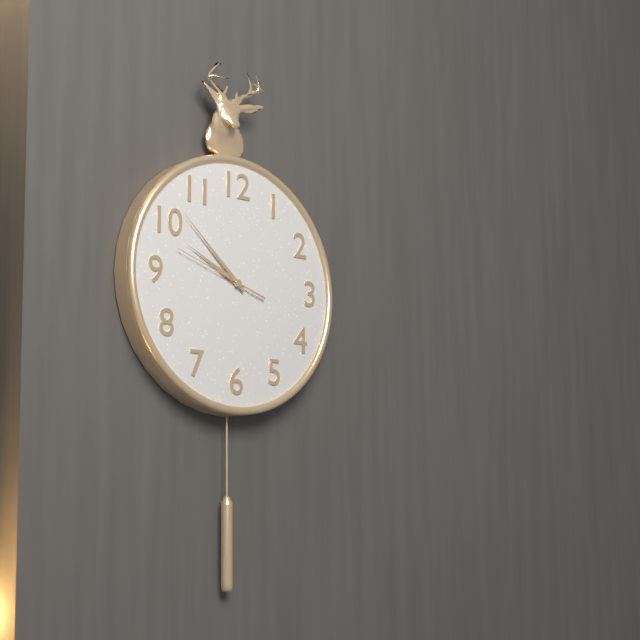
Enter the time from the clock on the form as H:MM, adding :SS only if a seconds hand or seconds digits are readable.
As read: 9:52:48
